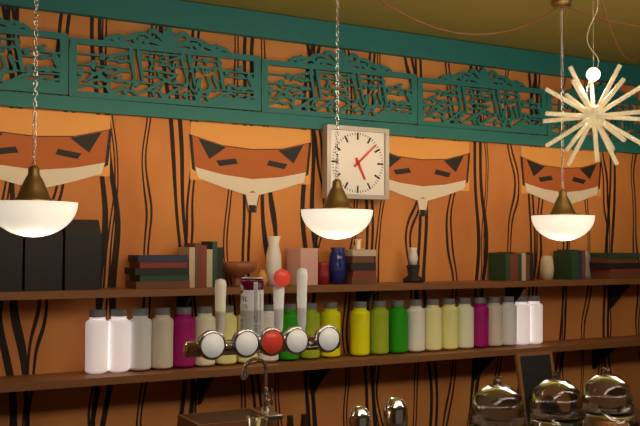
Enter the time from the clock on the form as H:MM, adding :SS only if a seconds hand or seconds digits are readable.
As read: 5:08
